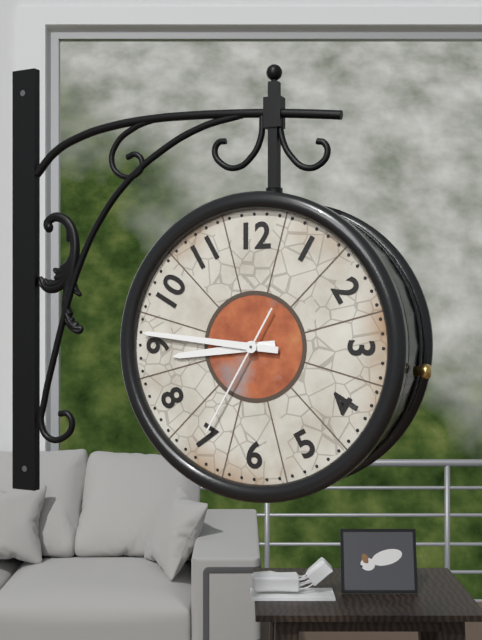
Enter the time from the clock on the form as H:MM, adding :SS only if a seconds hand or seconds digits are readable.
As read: 8:46:35
